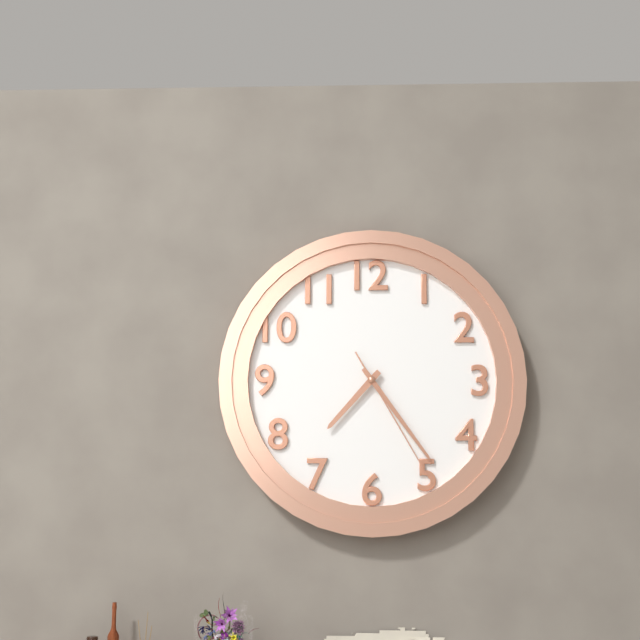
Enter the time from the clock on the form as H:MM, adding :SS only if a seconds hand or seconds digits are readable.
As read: 7:24:25
